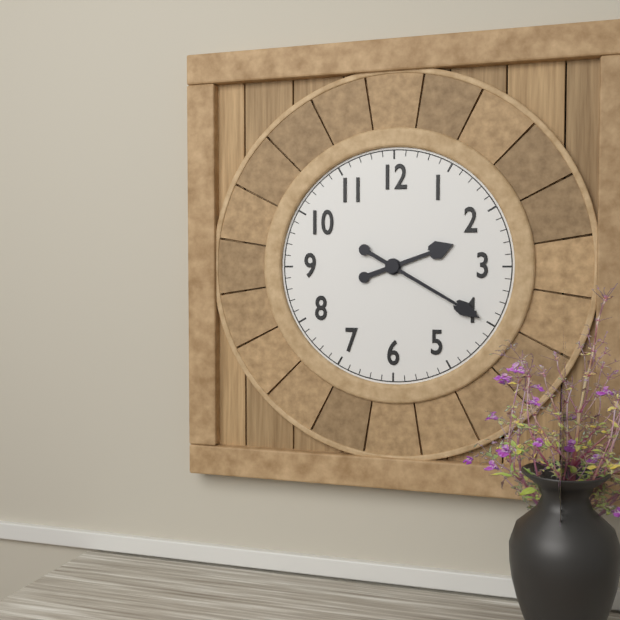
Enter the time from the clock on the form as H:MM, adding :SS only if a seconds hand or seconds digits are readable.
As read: 2:20
